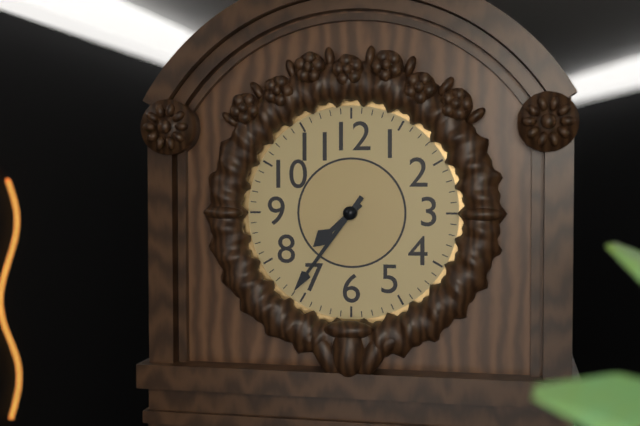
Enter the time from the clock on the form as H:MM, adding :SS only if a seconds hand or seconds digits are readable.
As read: 7:36
